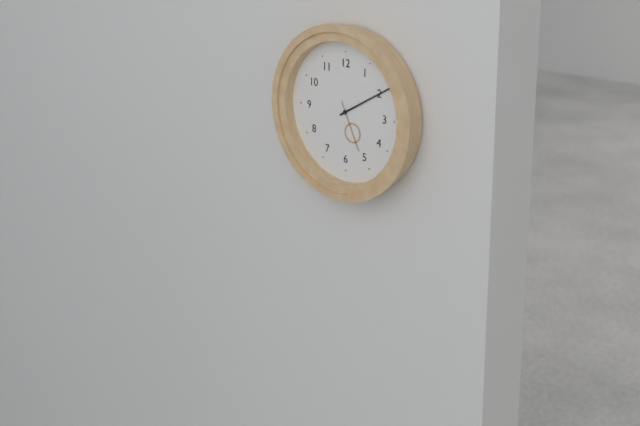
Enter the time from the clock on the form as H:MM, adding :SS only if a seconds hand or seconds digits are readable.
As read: 5:10
